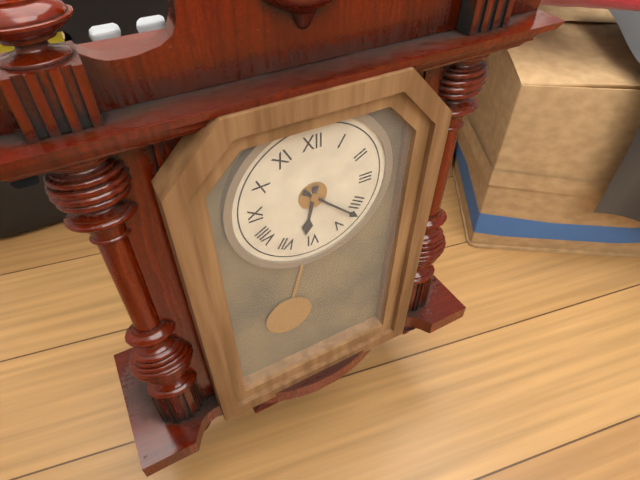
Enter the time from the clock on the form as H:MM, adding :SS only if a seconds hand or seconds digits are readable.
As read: 6:22
